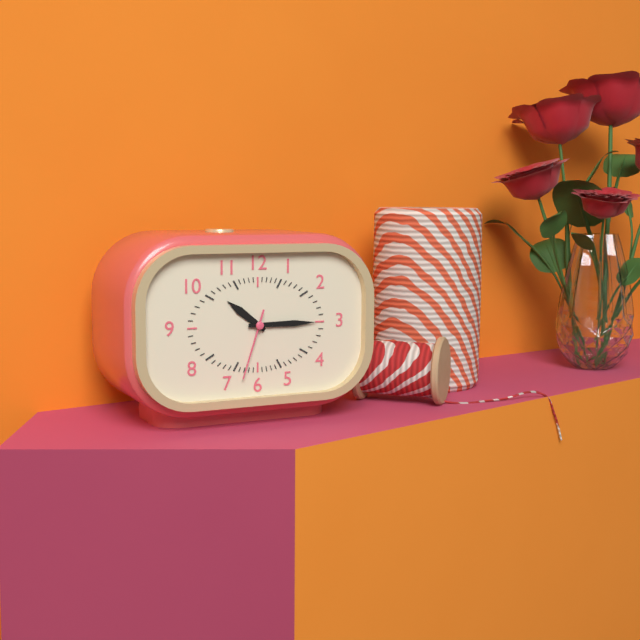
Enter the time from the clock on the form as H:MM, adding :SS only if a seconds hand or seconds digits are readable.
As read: 10:15:33
